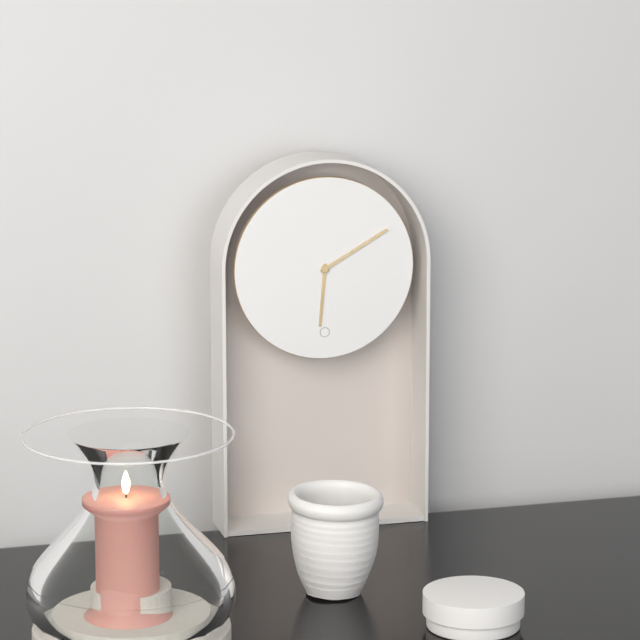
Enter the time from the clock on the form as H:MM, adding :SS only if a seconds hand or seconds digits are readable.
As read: 6:10
